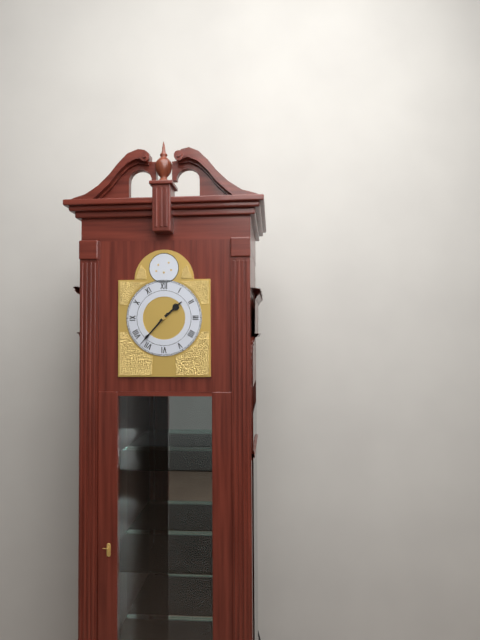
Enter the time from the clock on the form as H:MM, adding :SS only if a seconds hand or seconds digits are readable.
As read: 1:37
